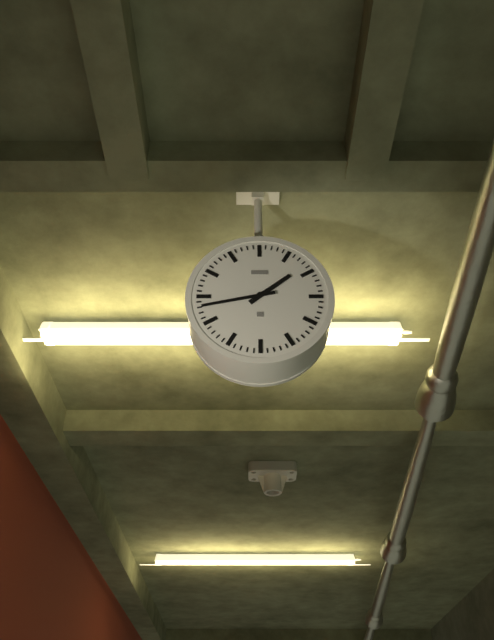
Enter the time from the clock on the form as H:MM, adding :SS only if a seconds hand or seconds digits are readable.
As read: 1:43
